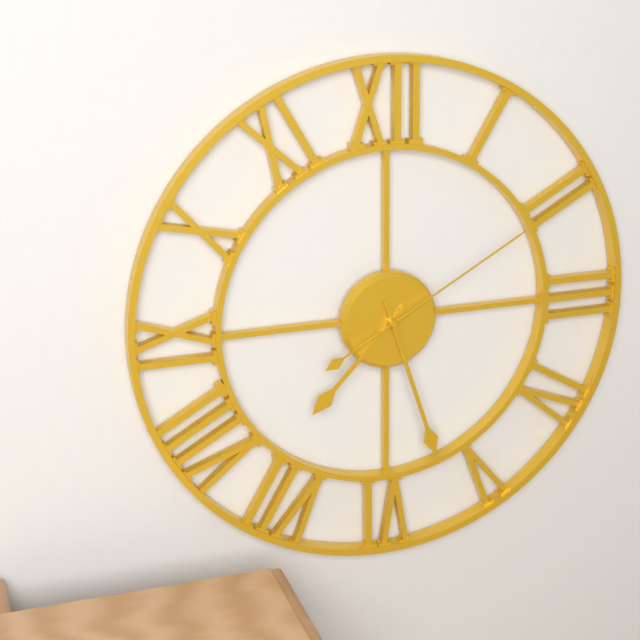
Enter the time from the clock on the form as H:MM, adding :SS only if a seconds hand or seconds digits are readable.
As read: 7:27:10
